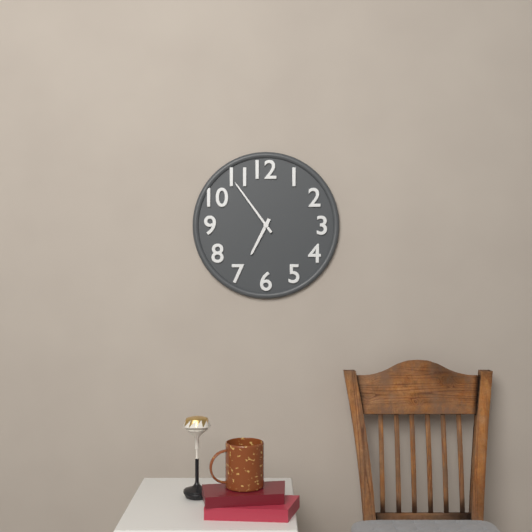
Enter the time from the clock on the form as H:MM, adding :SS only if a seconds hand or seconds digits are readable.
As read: 6:54
